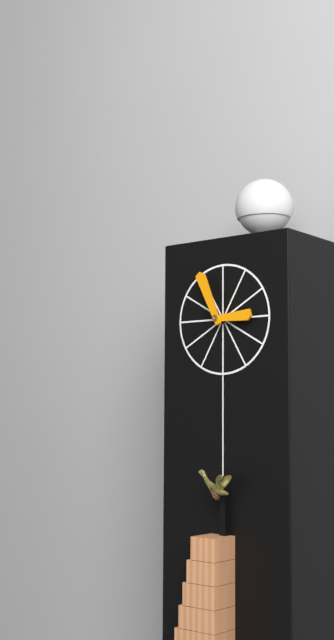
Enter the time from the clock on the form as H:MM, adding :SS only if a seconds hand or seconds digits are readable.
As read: 2:56
